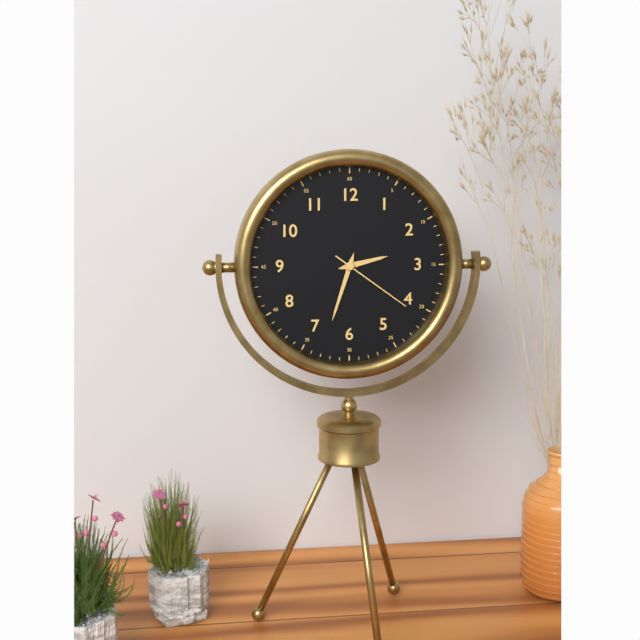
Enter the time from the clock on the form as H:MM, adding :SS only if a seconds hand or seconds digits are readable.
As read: 2:33:21
